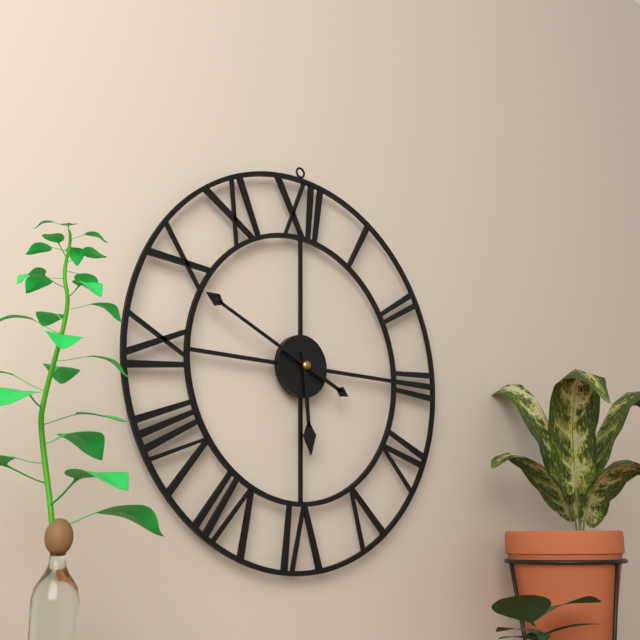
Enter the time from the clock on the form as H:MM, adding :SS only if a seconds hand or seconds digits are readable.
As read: 5:49
